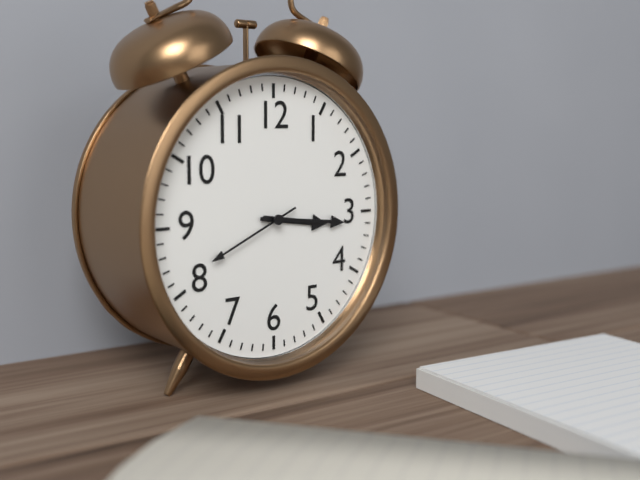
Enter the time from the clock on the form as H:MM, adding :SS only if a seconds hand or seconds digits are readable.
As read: 3:16:41
